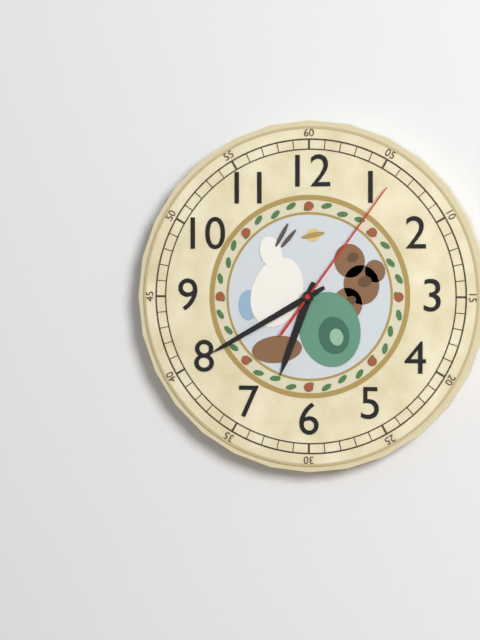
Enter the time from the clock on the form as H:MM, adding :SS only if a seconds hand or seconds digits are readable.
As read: 6:40:06
